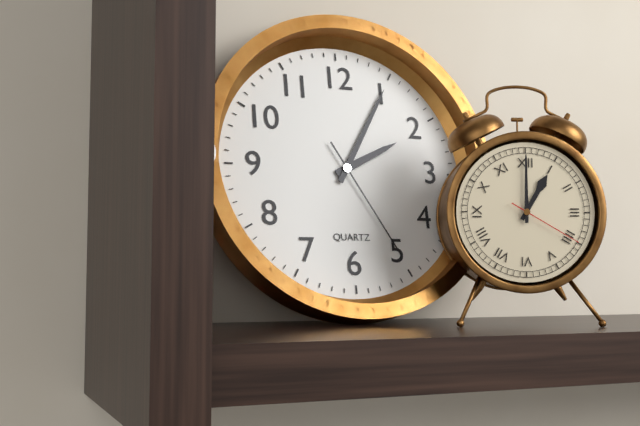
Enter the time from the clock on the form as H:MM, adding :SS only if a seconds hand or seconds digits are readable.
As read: 2:05:25
